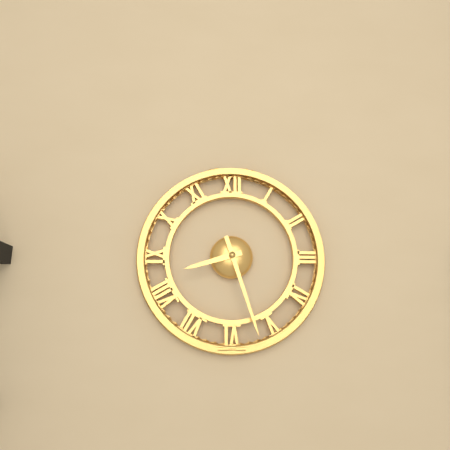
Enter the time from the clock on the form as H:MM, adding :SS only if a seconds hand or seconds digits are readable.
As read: 8:27
